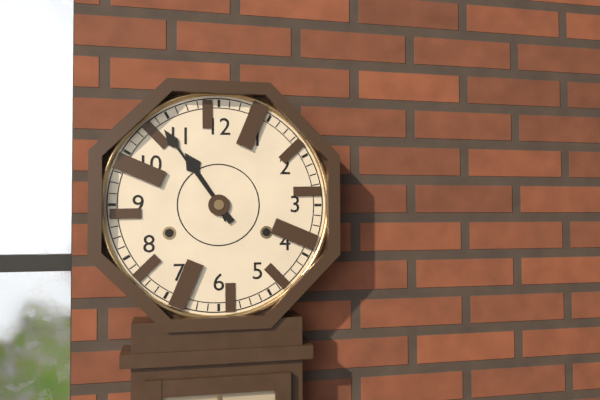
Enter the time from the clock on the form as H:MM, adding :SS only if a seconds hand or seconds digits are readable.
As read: 10:54
